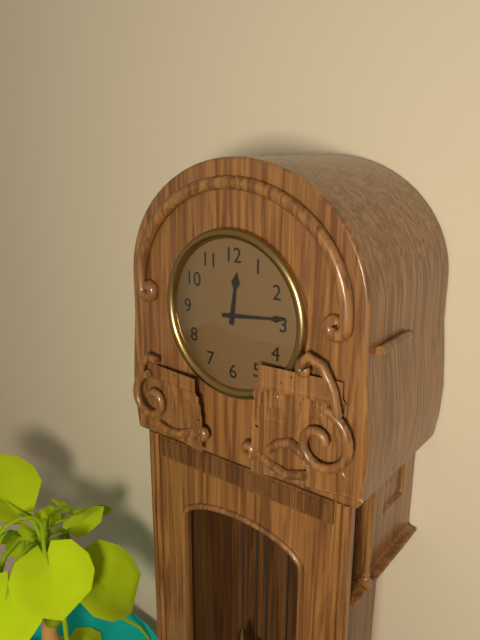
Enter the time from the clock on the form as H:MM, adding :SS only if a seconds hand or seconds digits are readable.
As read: 12:14
